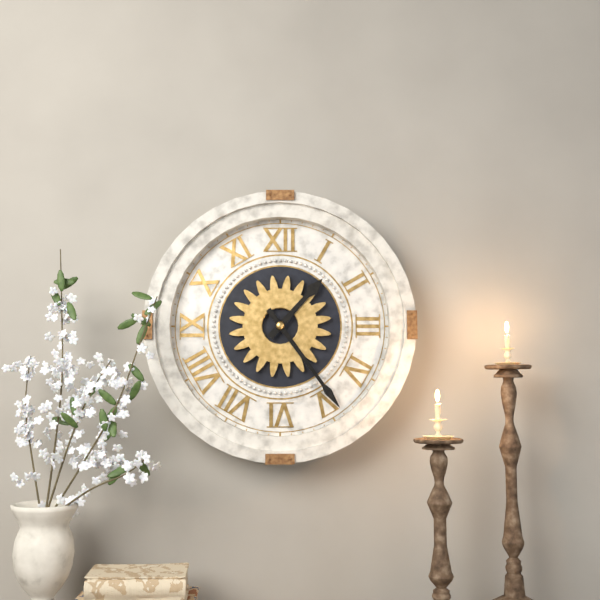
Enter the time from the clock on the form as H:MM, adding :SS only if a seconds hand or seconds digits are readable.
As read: 1:24
